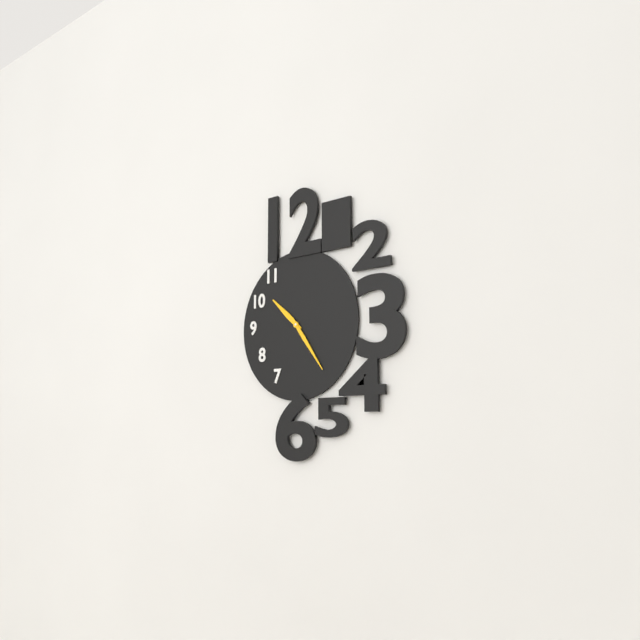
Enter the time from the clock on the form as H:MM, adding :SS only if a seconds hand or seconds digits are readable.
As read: 10:24
